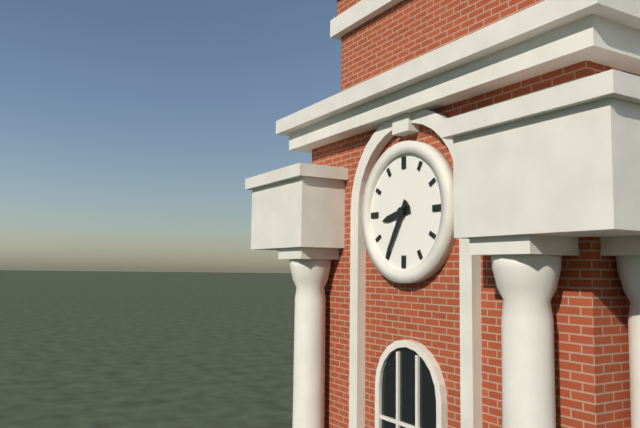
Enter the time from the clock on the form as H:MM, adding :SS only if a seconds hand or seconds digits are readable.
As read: 8:35
